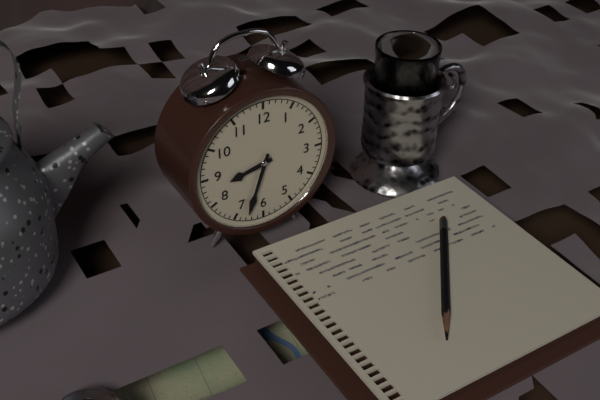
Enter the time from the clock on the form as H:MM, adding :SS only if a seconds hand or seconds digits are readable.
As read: 8:33
